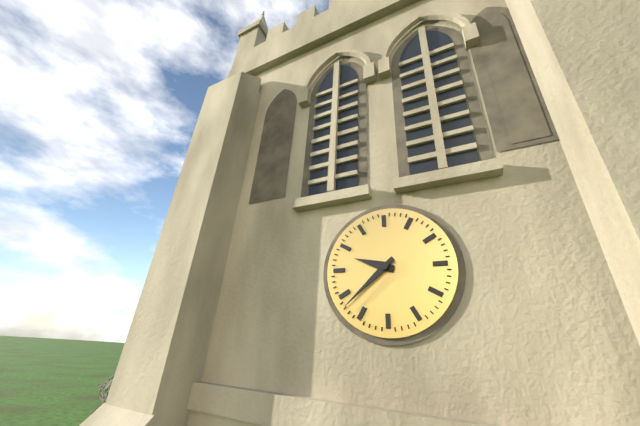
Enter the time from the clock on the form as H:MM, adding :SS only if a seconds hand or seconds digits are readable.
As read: 9:38
